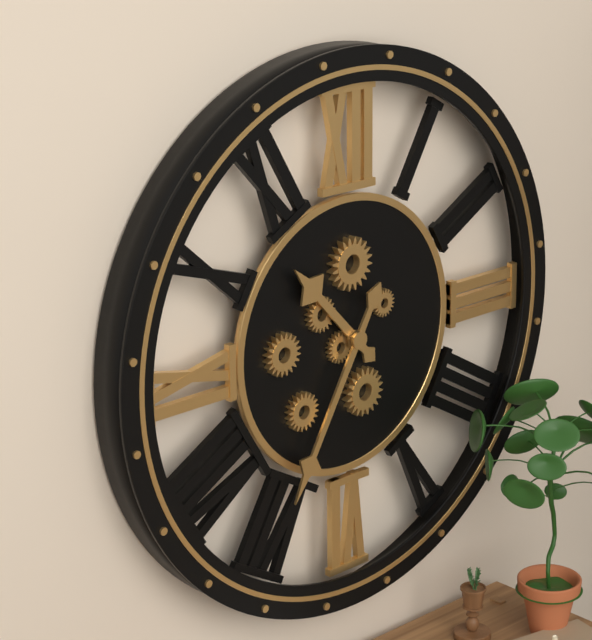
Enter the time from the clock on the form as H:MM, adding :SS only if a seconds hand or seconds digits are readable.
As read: 10:35
